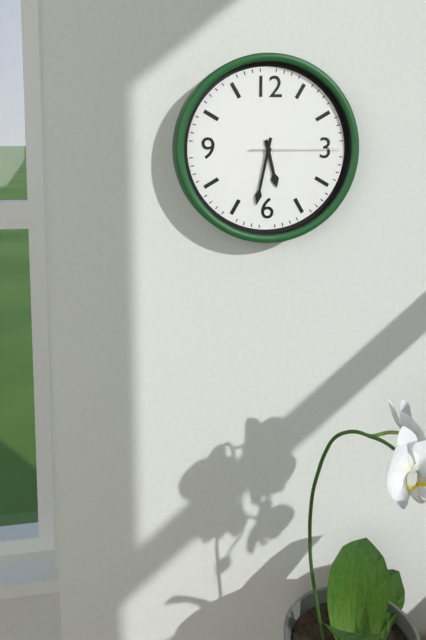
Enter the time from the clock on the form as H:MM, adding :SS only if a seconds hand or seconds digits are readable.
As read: 5:32:15
